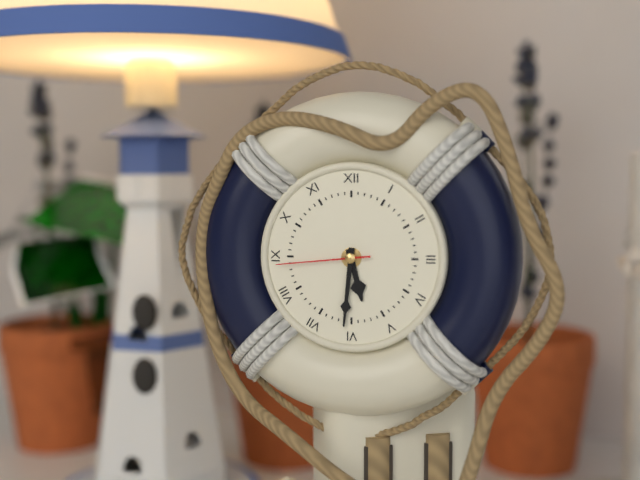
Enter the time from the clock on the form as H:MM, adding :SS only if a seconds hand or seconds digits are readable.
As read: 5:31:44
